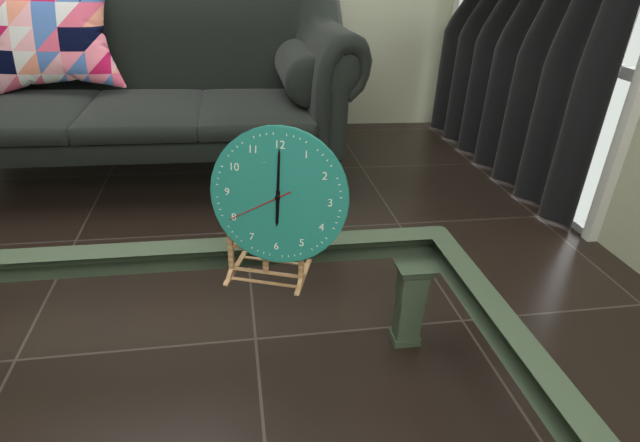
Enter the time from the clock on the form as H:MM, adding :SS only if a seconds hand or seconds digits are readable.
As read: 6:00:40
